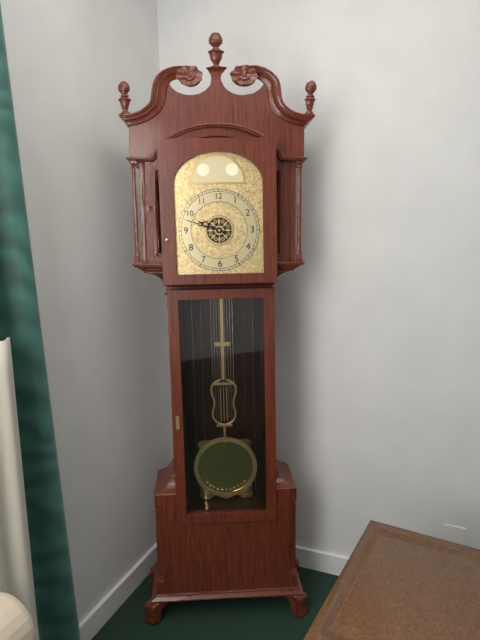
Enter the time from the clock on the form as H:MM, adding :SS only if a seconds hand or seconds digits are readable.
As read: 9:48
